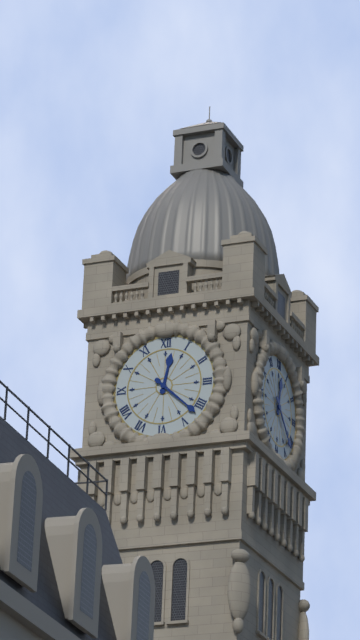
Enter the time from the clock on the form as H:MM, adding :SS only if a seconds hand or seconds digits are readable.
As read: 12:22
